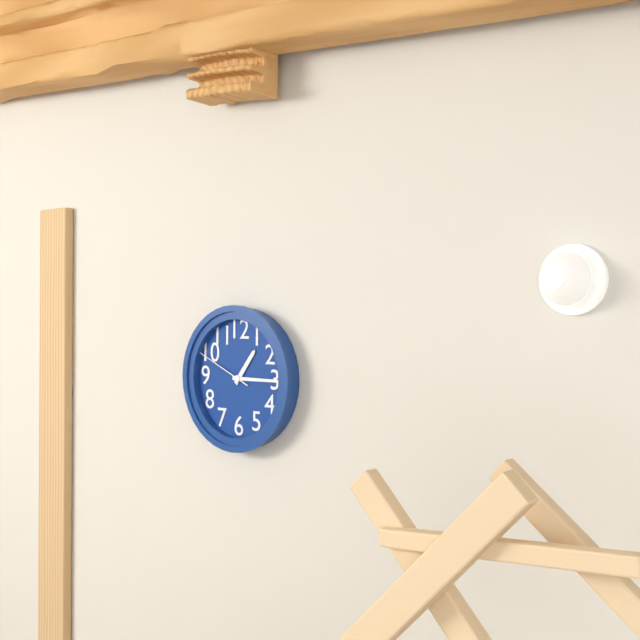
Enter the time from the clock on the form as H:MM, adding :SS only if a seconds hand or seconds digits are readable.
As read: 1:15:49
